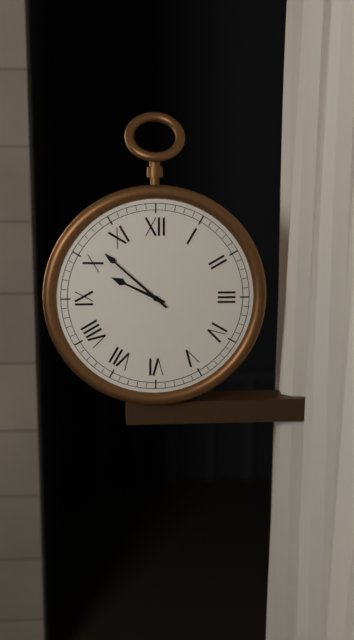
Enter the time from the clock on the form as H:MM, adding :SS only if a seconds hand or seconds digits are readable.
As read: 9:52
